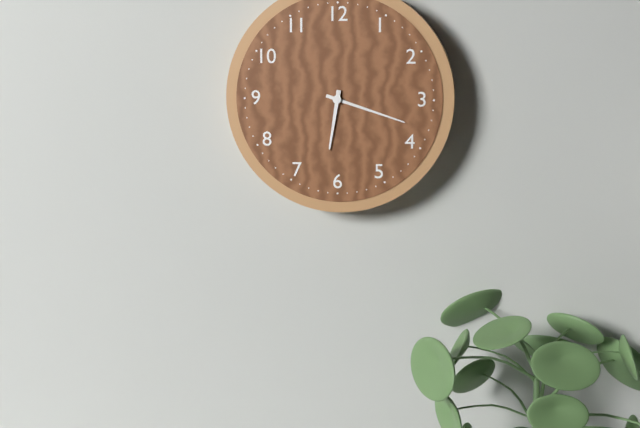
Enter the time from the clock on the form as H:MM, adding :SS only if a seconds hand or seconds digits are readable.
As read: 6:18
